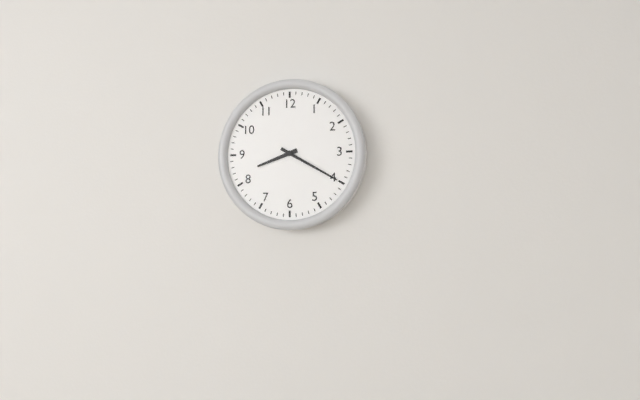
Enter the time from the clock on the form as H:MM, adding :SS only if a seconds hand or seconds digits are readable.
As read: 8:20
